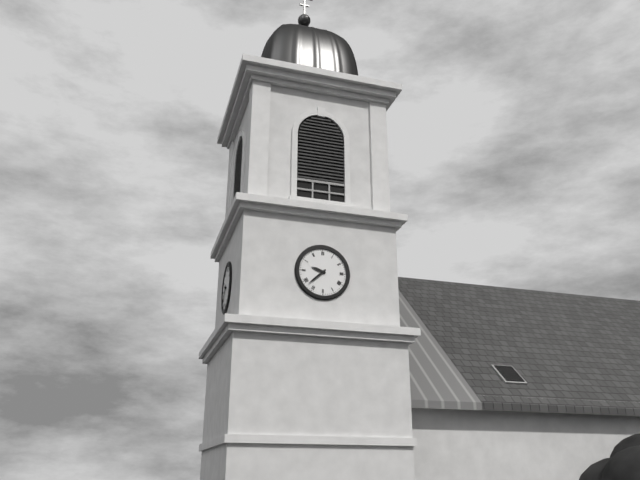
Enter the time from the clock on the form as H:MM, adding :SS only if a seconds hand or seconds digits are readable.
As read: 9:38
